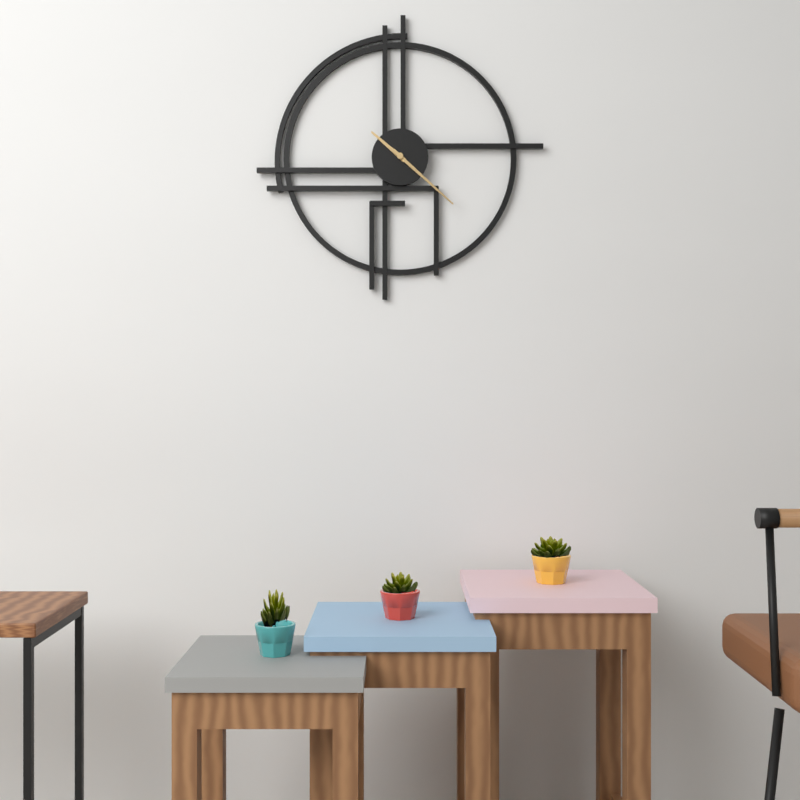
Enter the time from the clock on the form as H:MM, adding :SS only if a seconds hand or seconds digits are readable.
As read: 10:22
